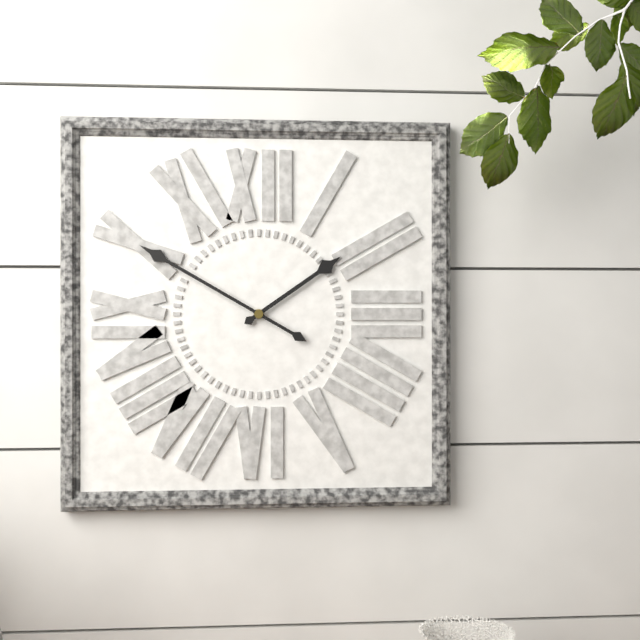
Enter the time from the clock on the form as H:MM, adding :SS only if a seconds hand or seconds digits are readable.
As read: 1:50
